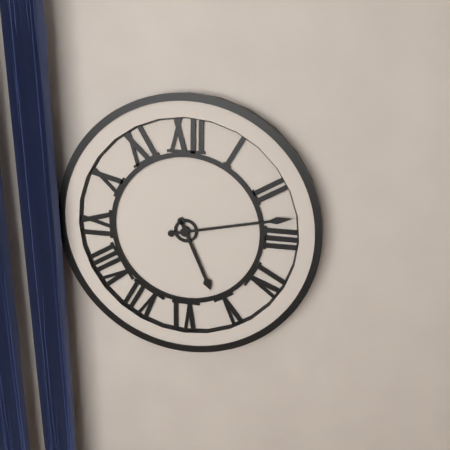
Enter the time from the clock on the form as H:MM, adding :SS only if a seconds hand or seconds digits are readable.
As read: 5:13
